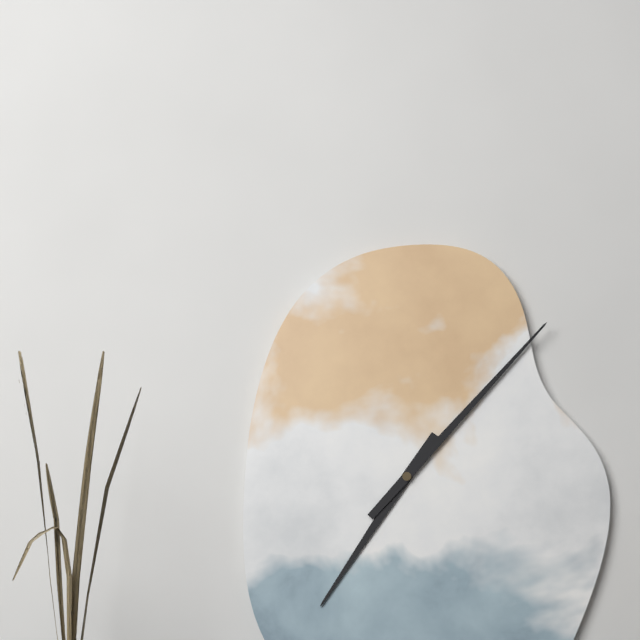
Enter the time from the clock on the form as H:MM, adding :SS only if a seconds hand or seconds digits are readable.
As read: 7:07
